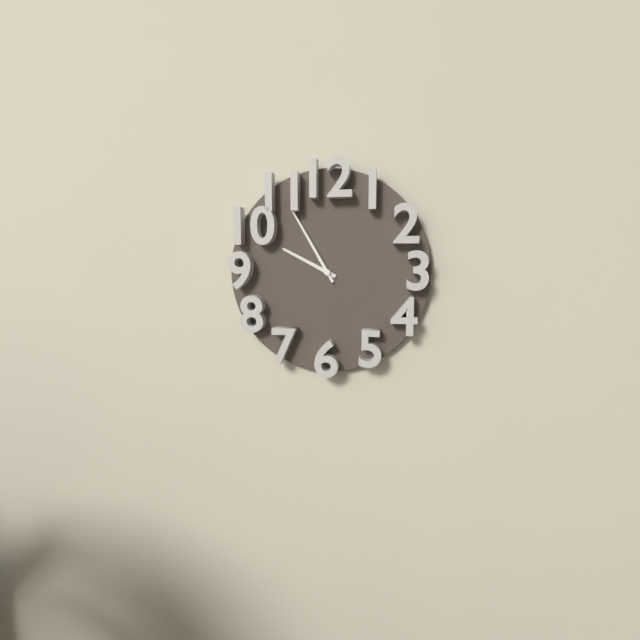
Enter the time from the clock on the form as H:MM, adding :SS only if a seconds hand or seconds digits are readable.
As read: 9:55
